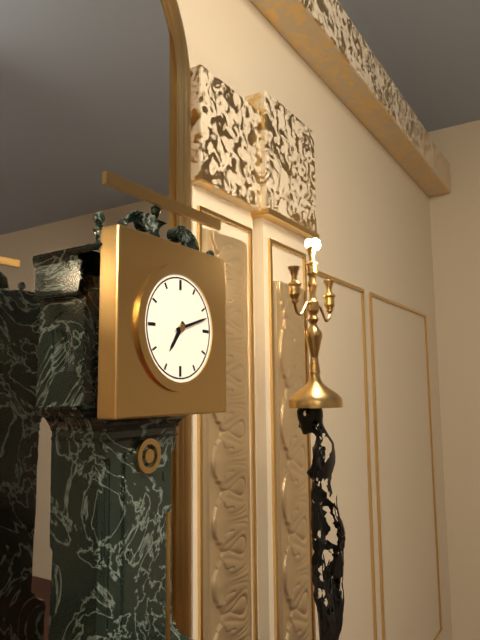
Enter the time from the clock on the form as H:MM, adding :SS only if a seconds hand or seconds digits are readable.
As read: 7:12
